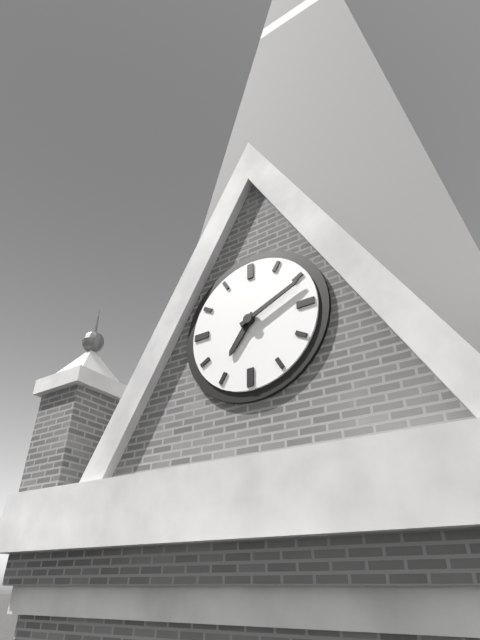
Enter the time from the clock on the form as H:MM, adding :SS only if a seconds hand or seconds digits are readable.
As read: 7:11
